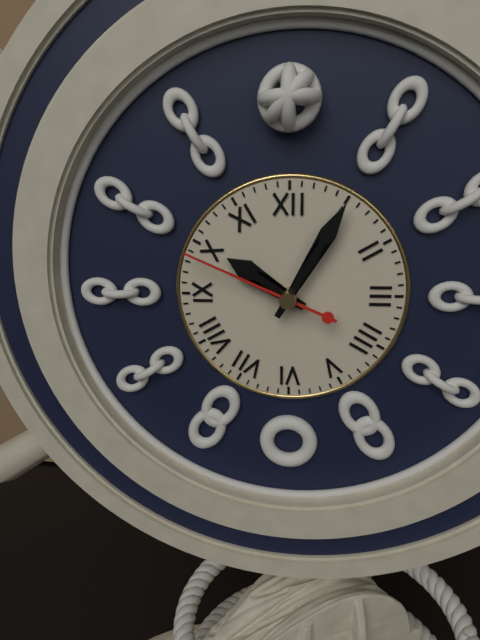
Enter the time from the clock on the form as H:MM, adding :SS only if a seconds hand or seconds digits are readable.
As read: 10:05:49
